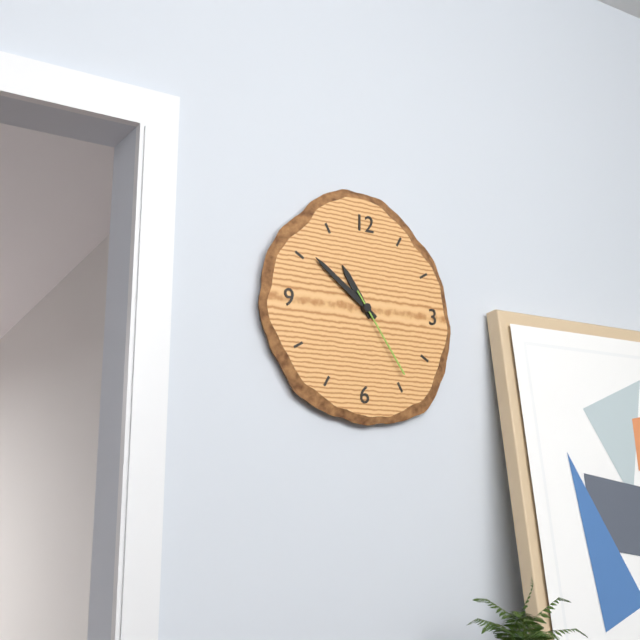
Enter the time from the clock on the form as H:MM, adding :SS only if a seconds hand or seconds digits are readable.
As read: 10:51:24
